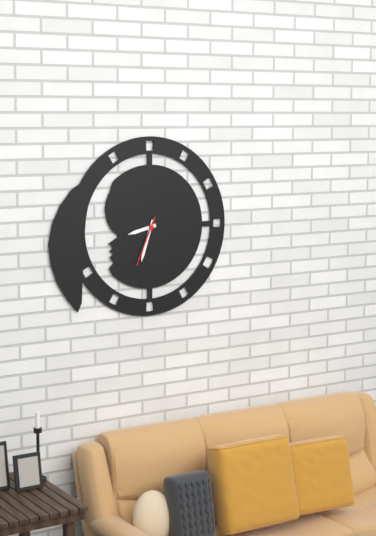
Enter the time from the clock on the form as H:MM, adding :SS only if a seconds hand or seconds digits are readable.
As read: 8:33:34
